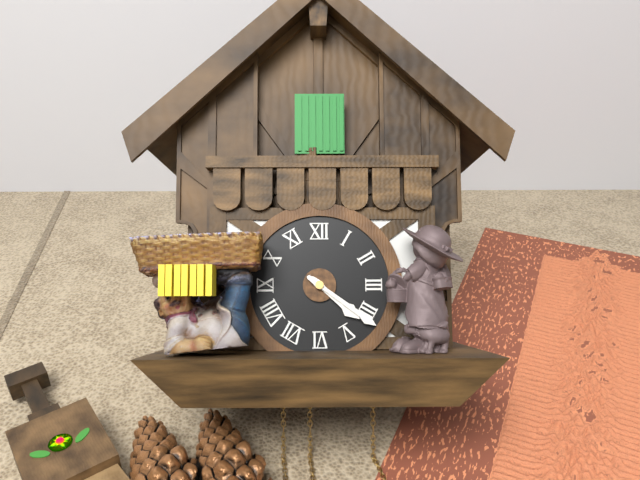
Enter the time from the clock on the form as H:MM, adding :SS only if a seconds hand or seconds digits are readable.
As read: 4:21
